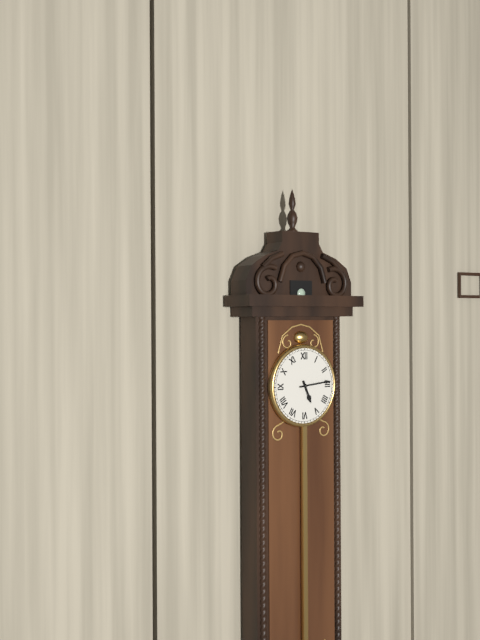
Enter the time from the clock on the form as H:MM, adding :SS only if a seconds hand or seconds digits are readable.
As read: 5:14
